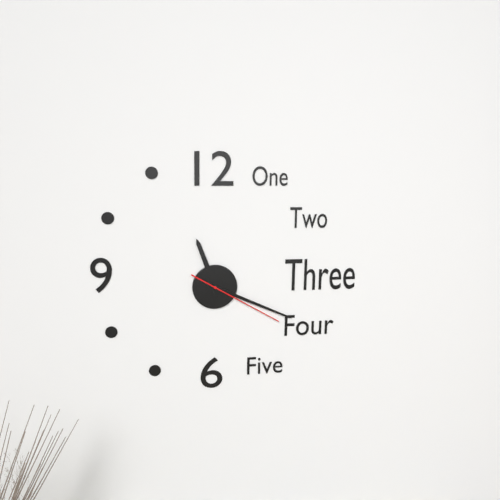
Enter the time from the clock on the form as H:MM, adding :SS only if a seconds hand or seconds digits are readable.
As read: 11:19:20
